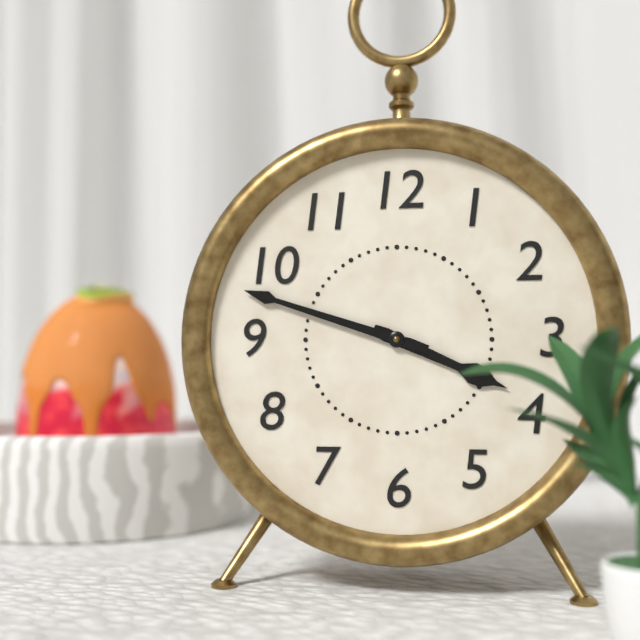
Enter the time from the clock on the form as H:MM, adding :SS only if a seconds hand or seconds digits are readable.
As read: 3:48
